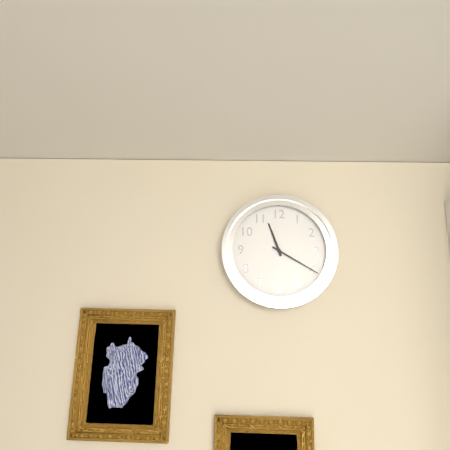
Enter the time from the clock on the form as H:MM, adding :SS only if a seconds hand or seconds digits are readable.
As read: 11:20
